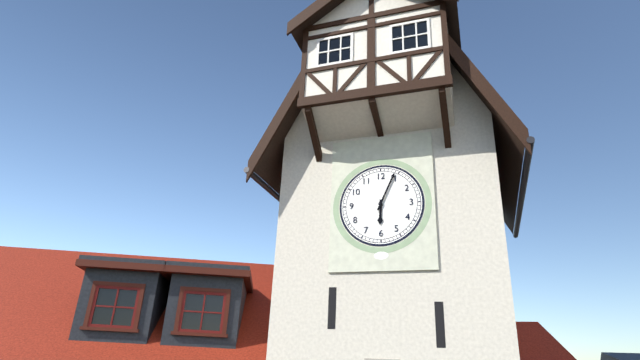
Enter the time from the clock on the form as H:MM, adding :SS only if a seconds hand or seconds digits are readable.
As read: 6:04
